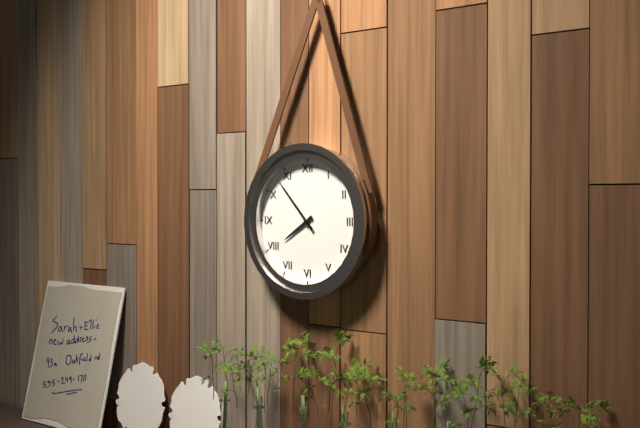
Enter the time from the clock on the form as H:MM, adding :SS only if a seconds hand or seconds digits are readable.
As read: 7:53
